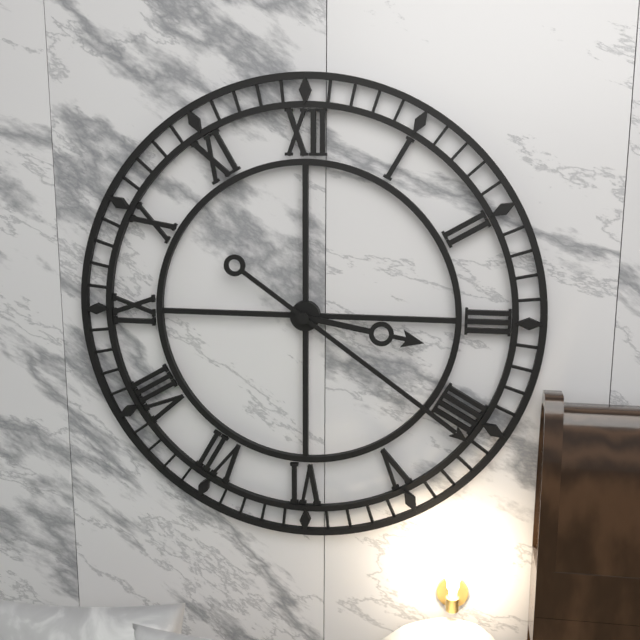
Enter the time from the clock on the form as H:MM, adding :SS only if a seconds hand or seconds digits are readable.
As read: 3:21
